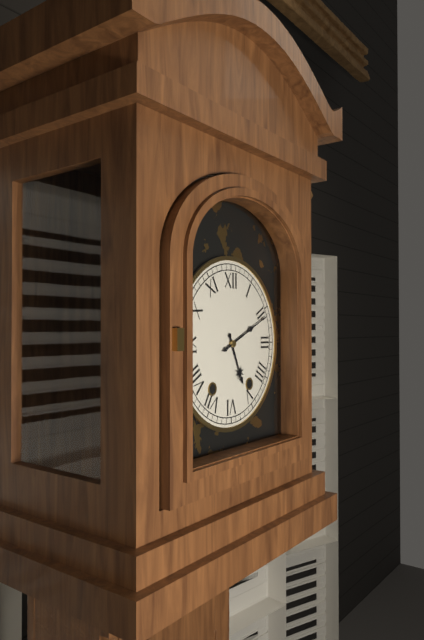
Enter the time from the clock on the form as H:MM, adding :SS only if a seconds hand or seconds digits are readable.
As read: 5:11
